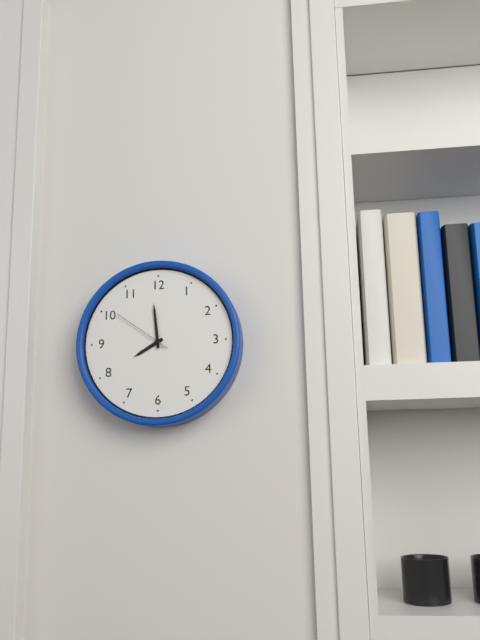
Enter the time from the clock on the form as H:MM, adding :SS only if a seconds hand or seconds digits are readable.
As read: 7:59:51
